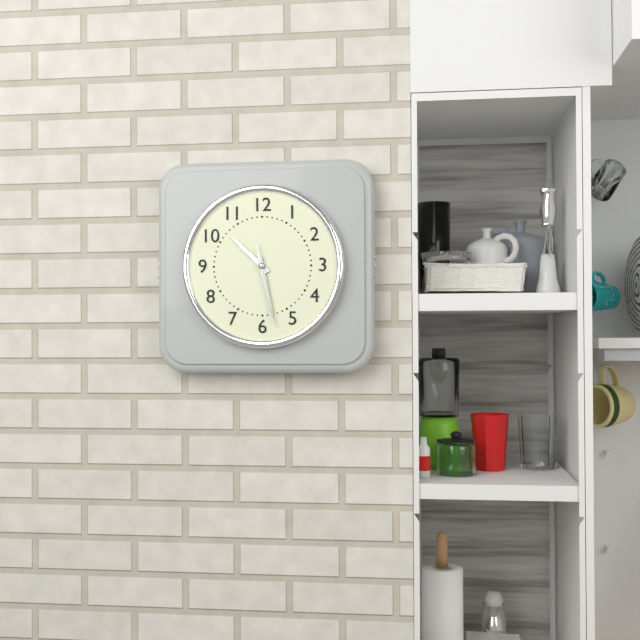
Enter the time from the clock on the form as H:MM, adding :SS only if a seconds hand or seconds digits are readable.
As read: 10:28:28
